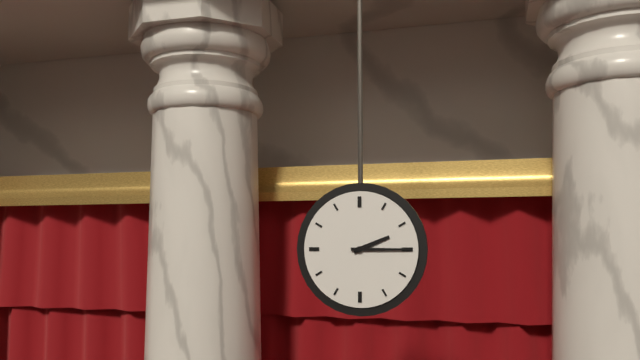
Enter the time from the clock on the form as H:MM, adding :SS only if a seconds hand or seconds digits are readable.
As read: 2:15
